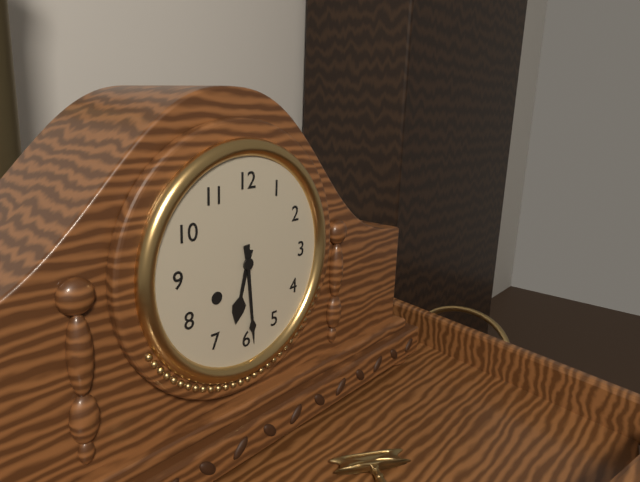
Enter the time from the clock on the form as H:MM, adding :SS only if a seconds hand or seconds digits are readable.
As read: 6:29
